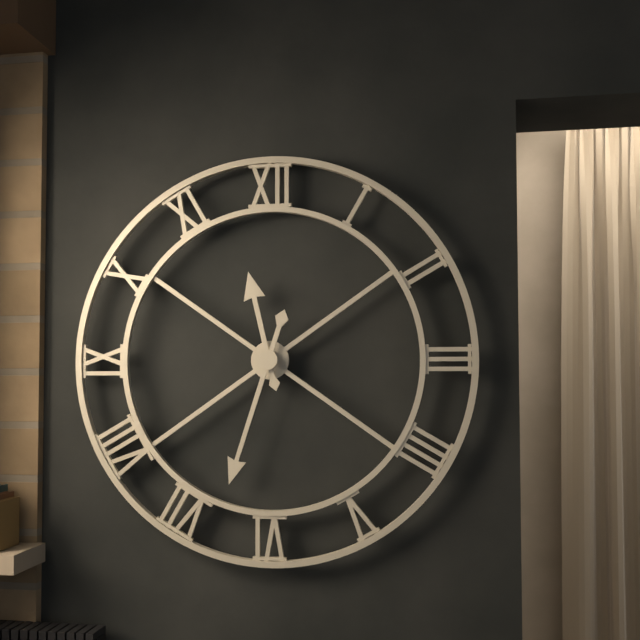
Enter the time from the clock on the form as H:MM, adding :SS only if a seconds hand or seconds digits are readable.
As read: 11:33
